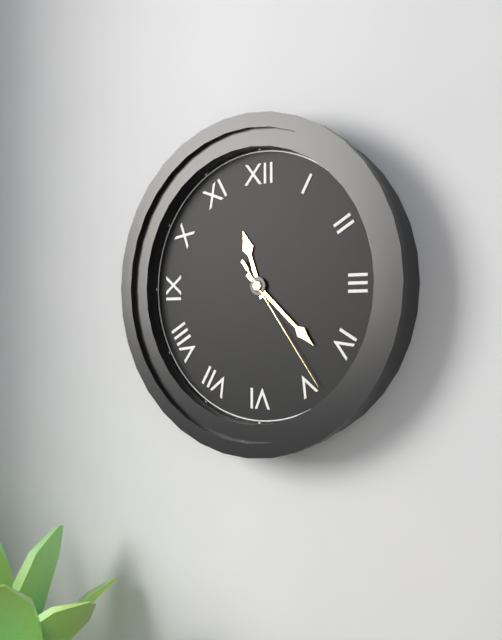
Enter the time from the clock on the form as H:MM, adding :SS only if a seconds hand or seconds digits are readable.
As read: 11:22:24
